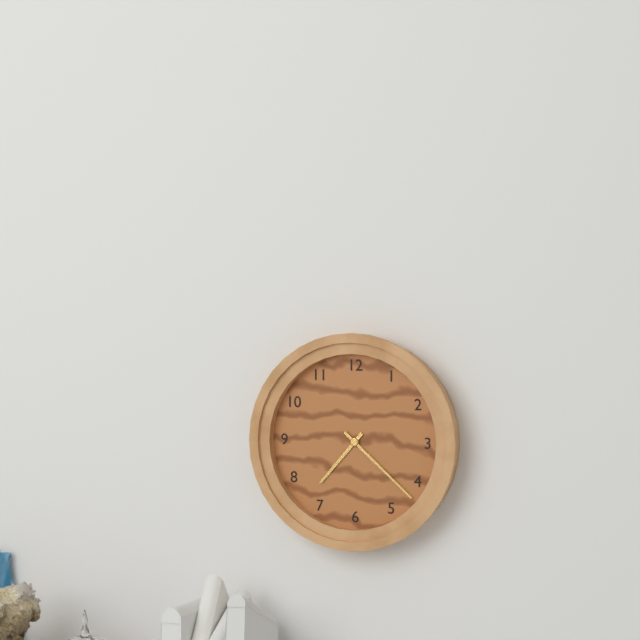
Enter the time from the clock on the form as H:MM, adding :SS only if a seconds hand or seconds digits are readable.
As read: 7:22
